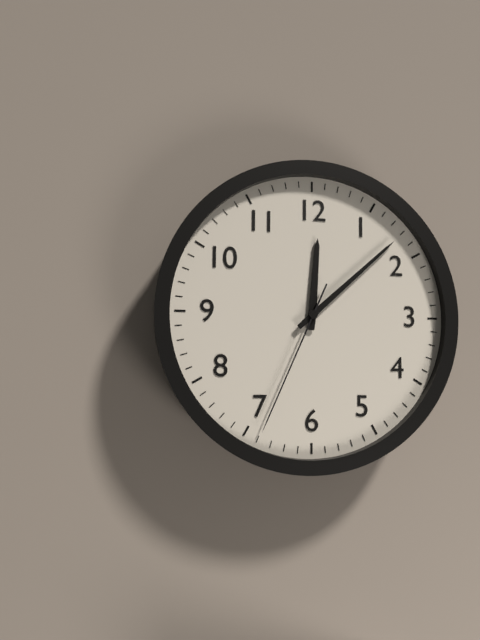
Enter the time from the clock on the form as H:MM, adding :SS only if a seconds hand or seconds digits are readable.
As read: 12:08:34
